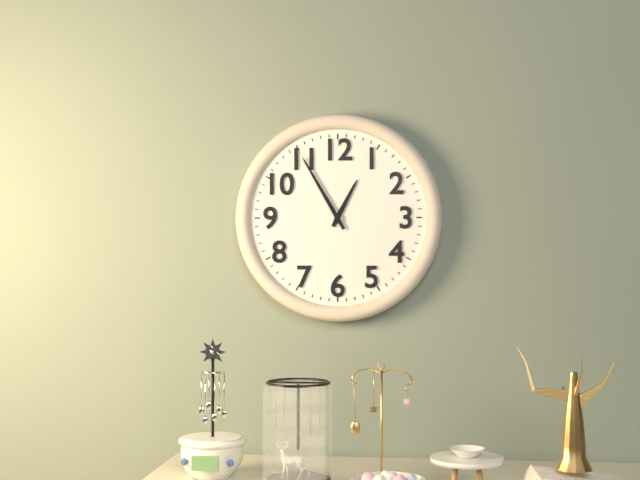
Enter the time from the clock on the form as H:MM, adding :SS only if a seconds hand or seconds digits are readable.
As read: 12:55
